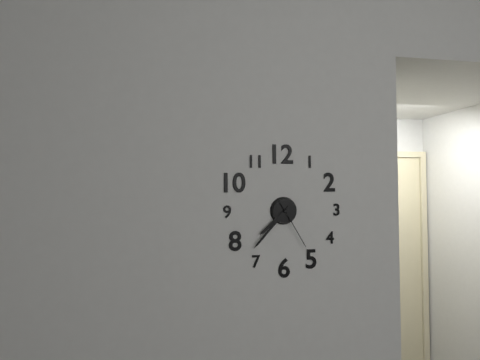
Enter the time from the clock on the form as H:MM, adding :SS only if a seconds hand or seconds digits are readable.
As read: 7:37:25
